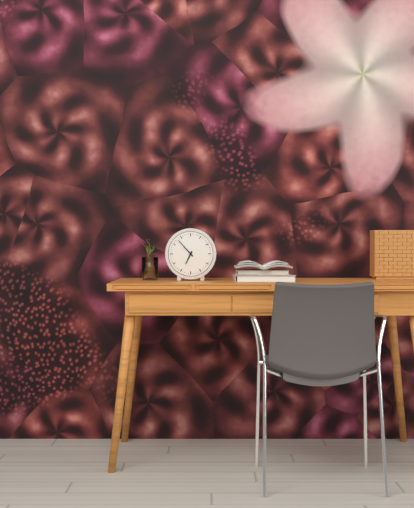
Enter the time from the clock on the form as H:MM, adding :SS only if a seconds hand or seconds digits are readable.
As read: 6:53
